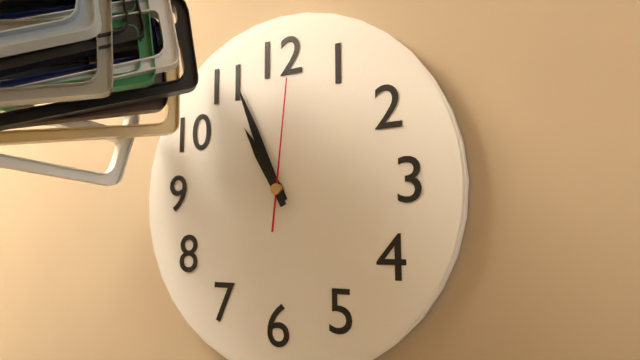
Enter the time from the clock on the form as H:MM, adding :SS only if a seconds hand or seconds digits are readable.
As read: 10:56:01
